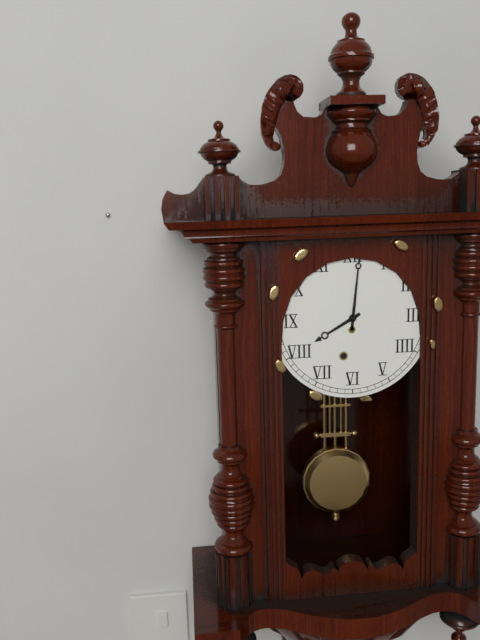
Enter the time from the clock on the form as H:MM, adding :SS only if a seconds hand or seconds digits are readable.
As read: 8:01
